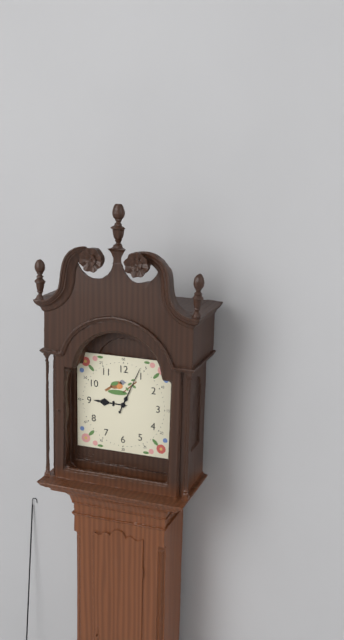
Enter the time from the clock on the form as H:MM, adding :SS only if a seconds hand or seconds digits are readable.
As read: 9:04
